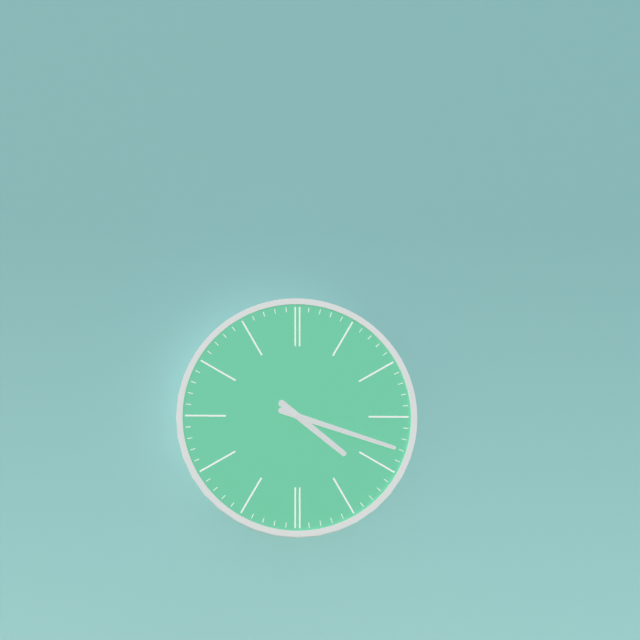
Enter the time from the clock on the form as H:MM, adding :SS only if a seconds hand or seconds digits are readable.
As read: 4:18
